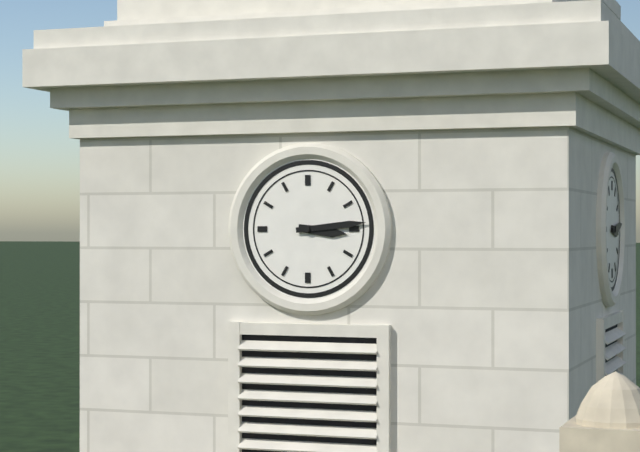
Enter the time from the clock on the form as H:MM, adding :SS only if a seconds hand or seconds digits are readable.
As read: 3:14
